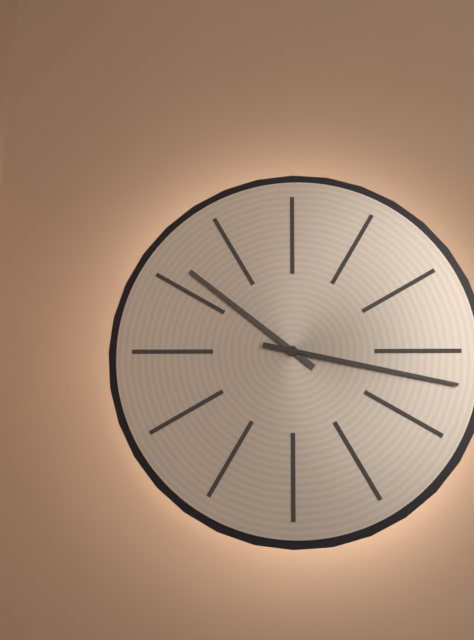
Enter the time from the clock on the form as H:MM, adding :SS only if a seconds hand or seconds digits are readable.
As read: 10:17
